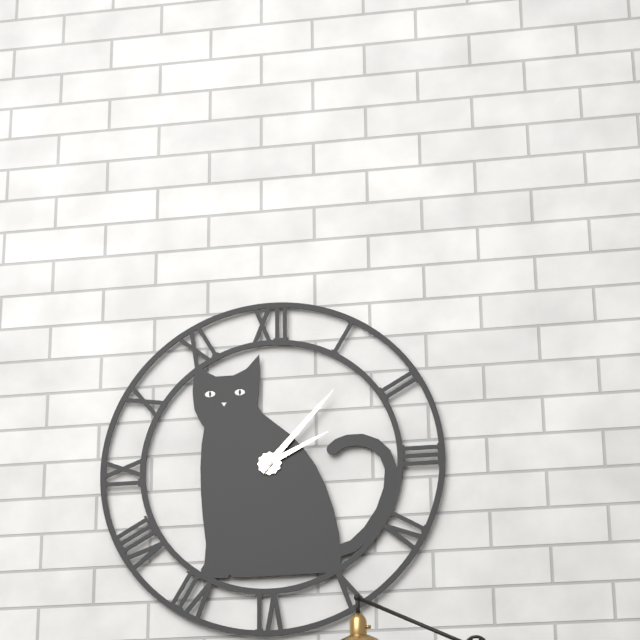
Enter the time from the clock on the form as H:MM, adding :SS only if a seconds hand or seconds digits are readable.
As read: 2:07
